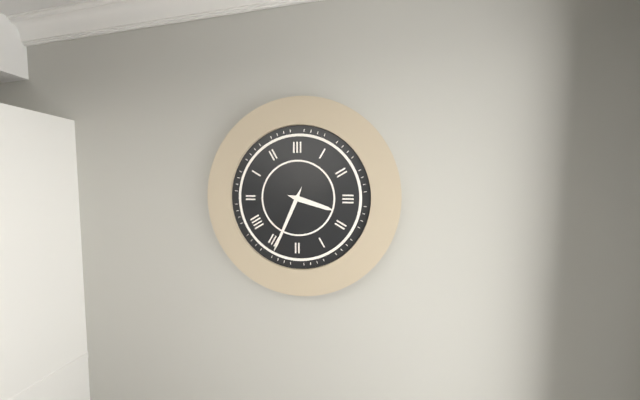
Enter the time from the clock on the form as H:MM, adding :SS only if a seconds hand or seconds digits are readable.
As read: 3:34
